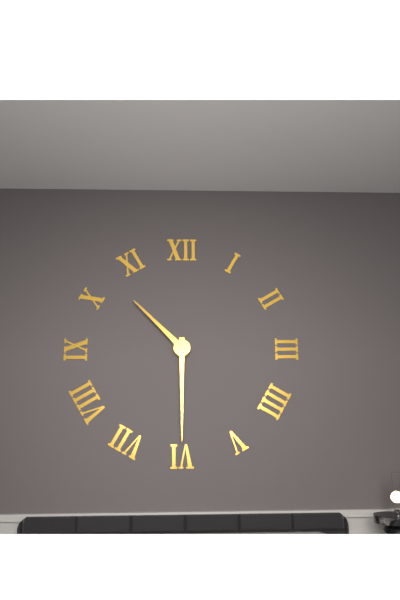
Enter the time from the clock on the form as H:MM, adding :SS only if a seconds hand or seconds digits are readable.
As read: 10:30
